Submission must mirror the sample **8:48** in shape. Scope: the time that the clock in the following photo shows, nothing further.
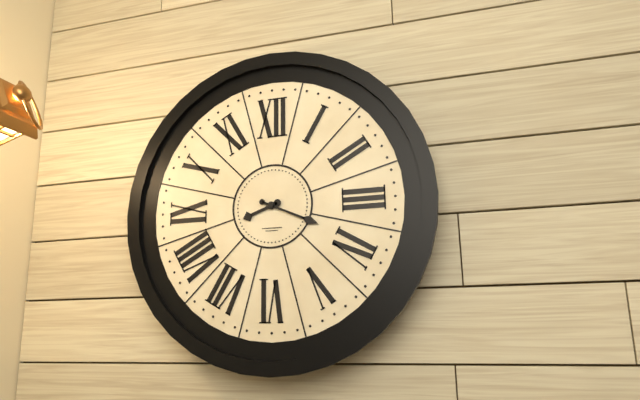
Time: **8:19**
